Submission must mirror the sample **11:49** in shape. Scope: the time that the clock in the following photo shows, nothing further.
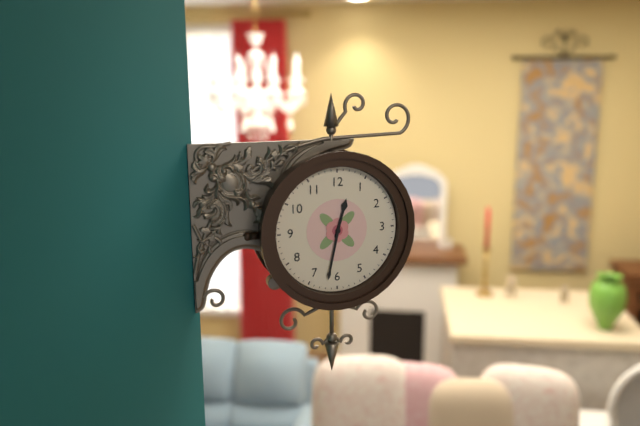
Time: **12:32**
